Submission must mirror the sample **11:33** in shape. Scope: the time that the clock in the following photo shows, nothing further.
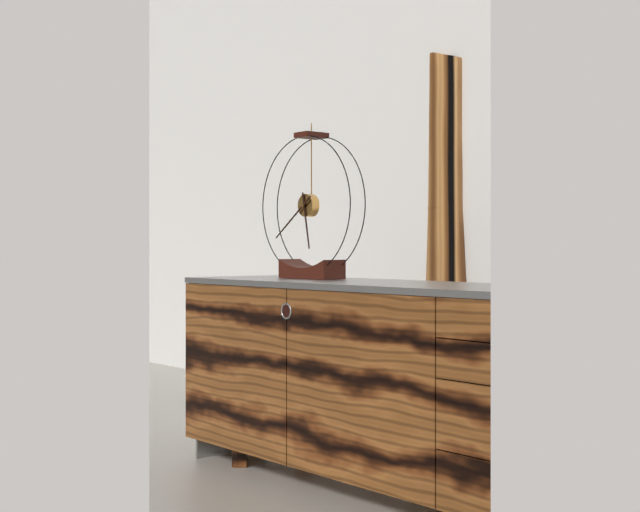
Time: **5:39**
